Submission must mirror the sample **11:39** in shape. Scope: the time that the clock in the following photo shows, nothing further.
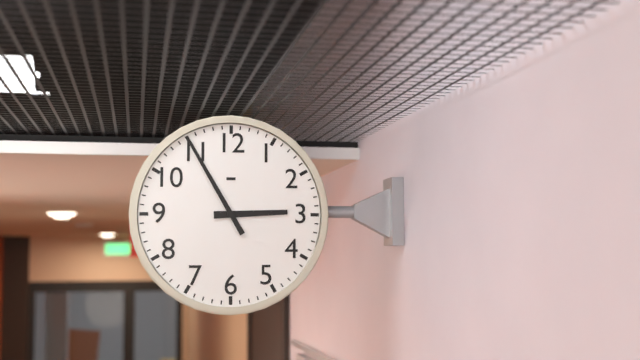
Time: **2:55**
